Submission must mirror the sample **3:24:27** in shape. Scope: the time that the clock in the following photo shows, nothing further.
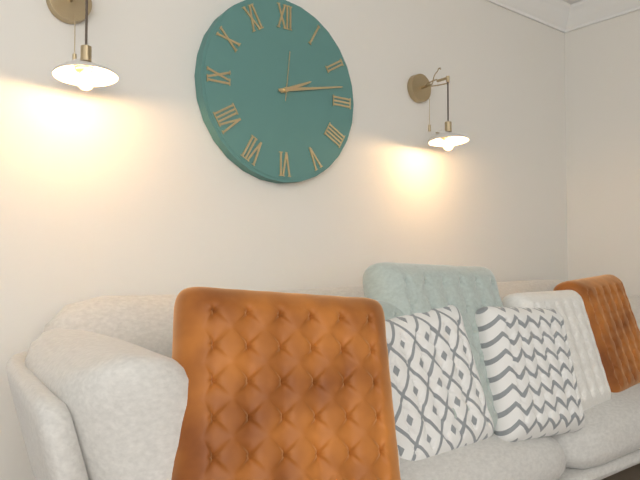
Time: **2:13:01**
